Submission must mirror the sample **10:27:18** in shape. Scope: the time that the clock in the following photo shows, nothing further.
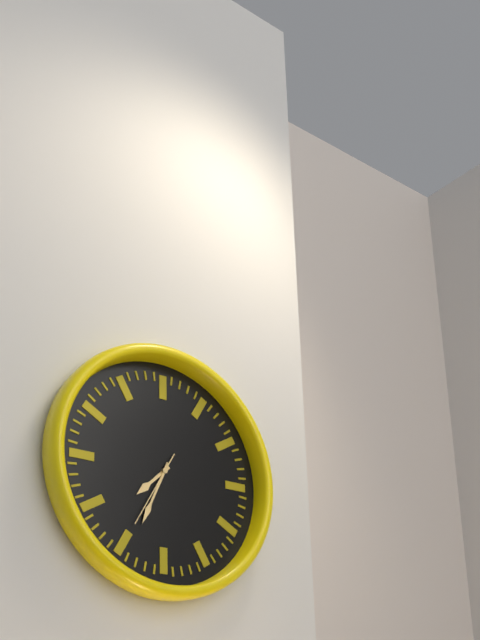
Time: **7:34:35**
